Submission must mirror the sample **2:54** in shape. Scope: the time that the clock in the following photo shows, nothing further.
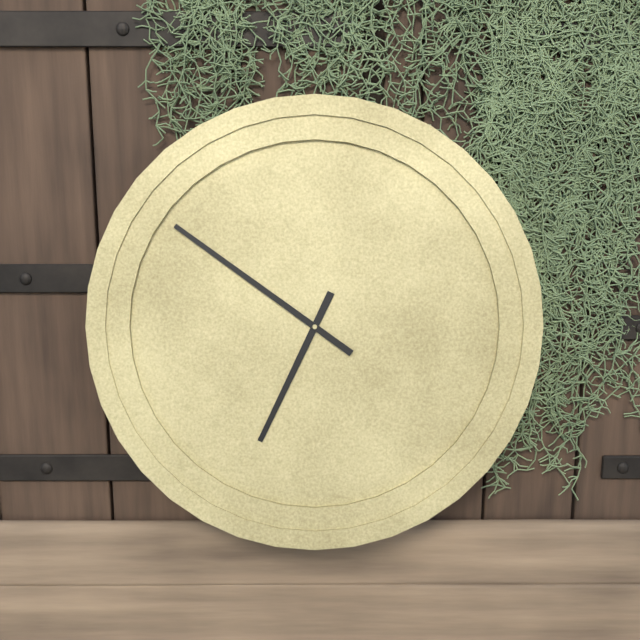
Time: **6:51**
